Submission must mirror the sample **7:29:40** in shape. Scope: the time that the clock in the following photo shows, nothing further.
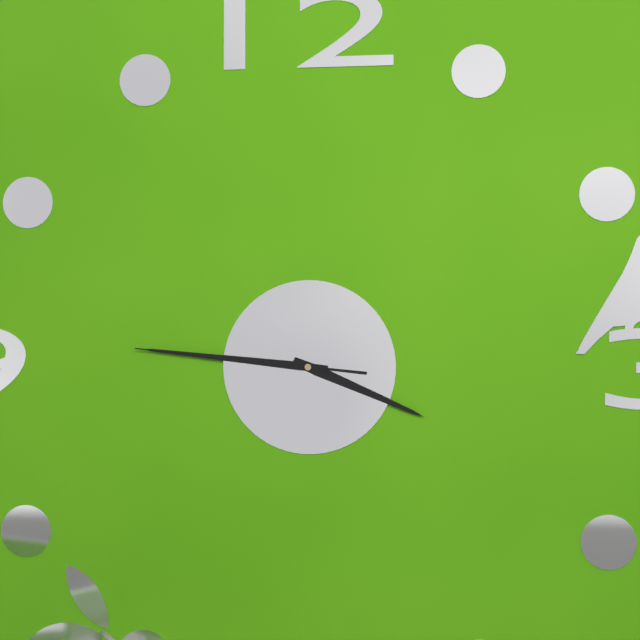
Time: **3:46:46**
